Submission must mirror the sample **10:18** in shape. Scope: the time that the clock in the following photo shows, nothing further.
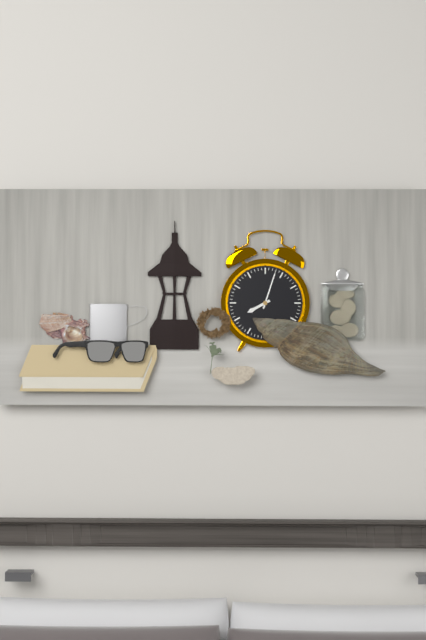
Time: **8:03**
